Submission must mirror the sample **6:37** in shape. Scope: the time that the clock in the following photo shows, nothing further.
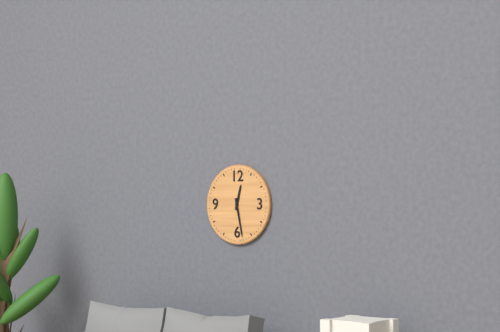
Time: **12:28**
